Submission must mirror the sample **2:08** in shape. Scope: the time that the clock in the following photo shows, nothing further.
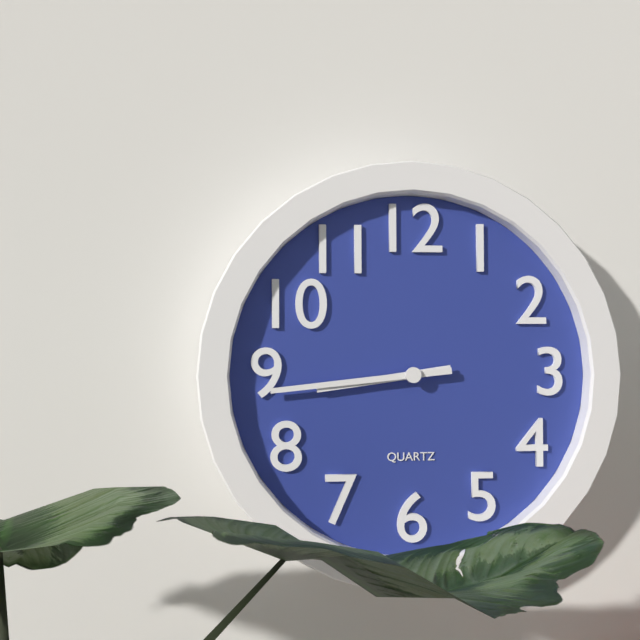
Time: **8:44**
